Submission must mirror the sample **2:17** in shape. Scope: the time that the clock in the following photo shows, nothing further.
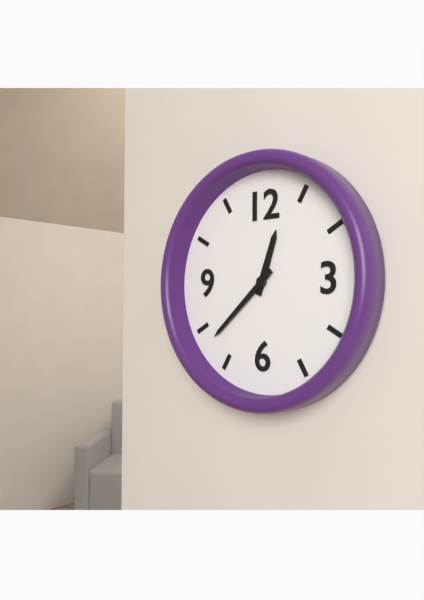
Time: **12:38**
